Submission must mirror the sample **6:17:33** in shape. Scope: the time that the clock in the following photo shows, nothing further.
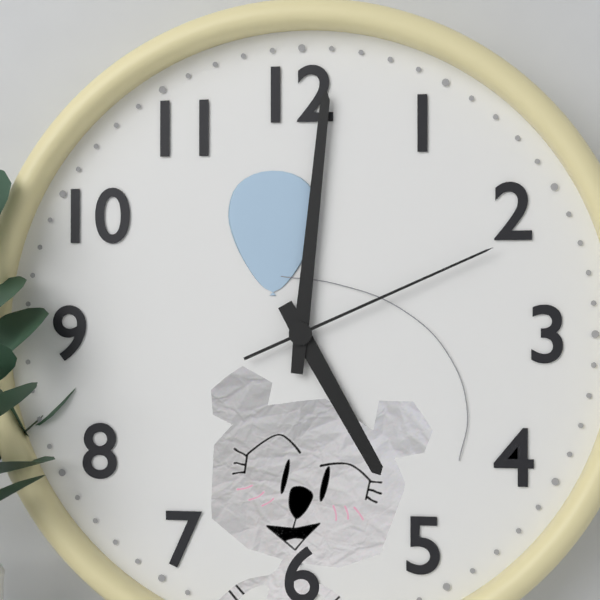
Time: **5:01:11**
